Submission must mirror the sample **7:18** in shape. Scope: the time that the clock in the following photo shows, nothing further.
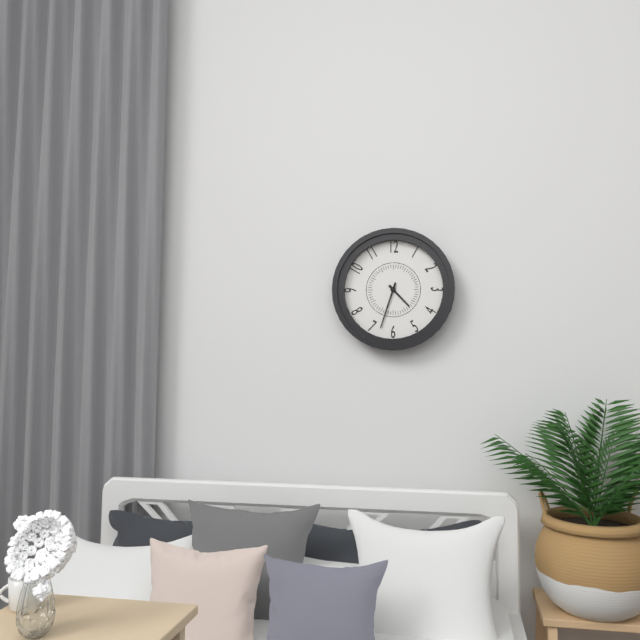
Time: **4:33**
